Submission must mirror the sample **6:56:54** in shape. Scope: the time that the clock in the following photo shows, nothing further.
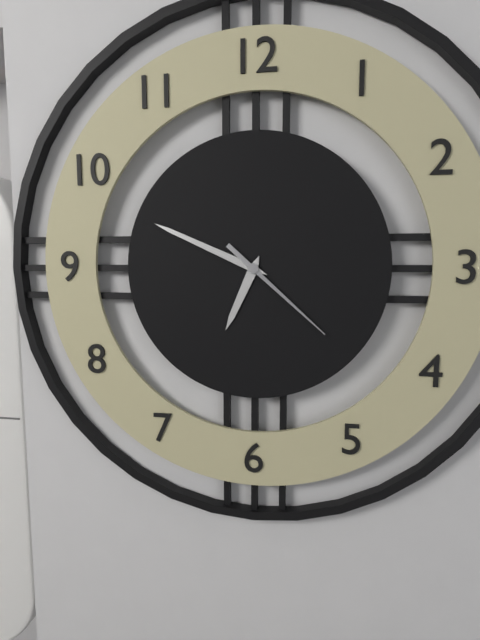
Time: **6:49:22**
